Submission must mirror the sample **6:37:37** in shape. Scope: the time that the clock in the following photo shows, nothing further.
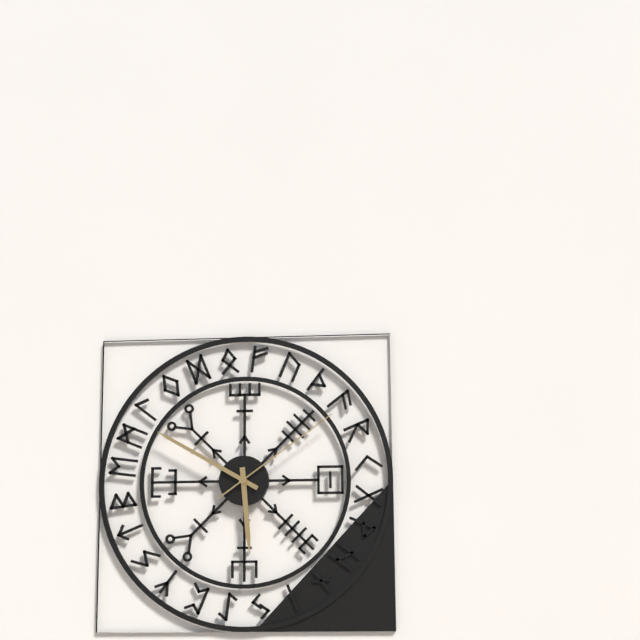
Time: **5:50:09**
